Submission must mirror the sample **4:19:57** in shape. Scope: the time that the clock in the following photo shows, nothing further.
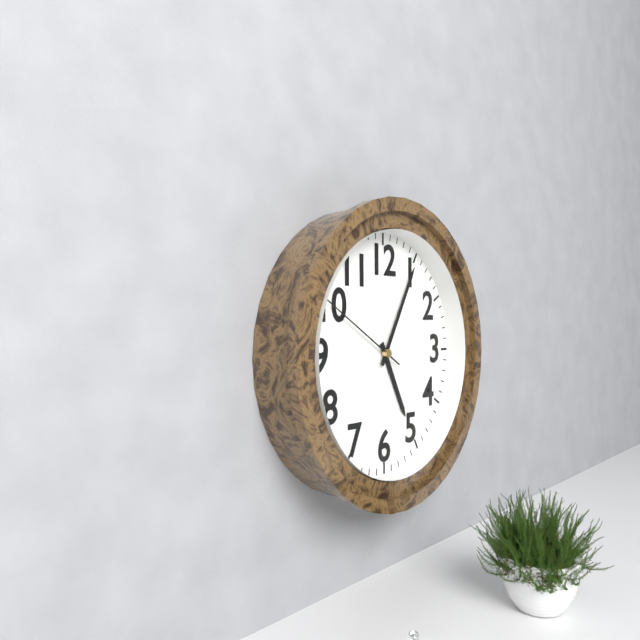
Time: **5:05:50**
